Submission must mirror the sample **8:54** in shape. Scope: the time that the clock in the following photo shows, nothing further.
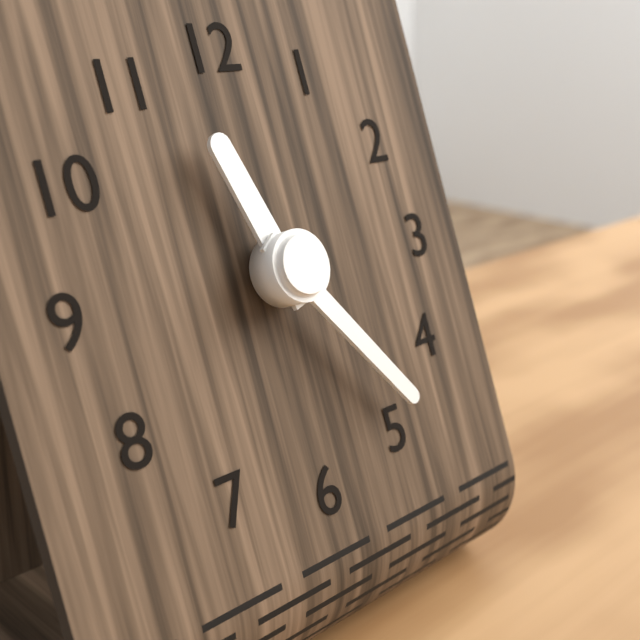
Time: **11:24**
